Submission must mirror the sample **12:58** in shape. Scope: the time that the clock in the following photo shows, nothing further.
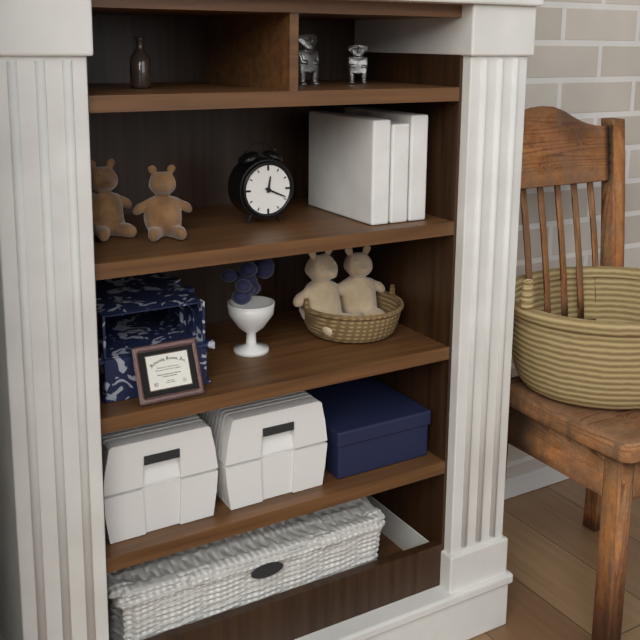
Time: **12:19**
